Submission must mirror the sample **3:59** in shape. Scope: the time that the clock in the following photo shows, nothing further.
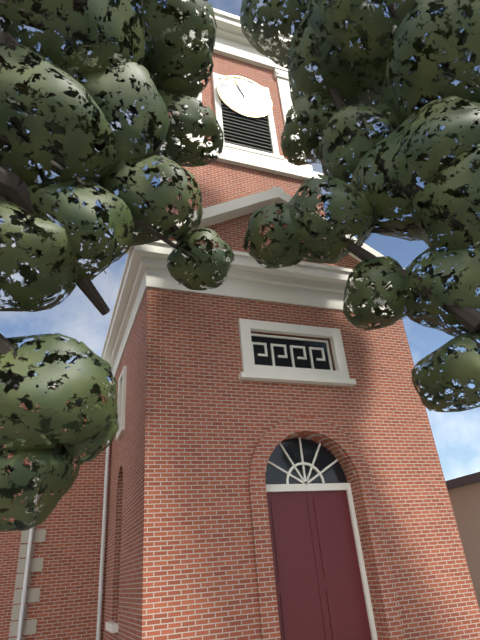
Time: **5:56**
